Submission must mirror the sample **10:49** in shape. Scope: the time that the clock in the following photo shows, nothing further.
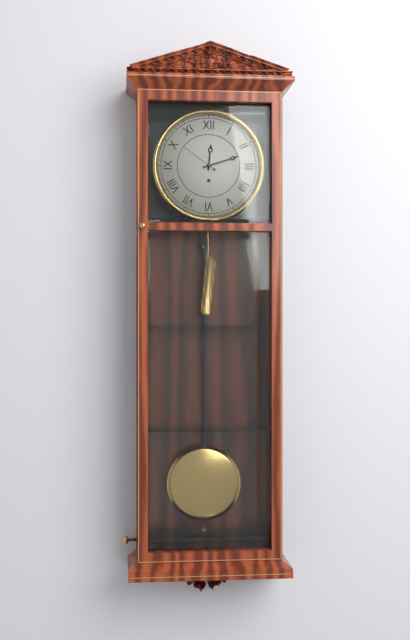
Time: **12:12**
